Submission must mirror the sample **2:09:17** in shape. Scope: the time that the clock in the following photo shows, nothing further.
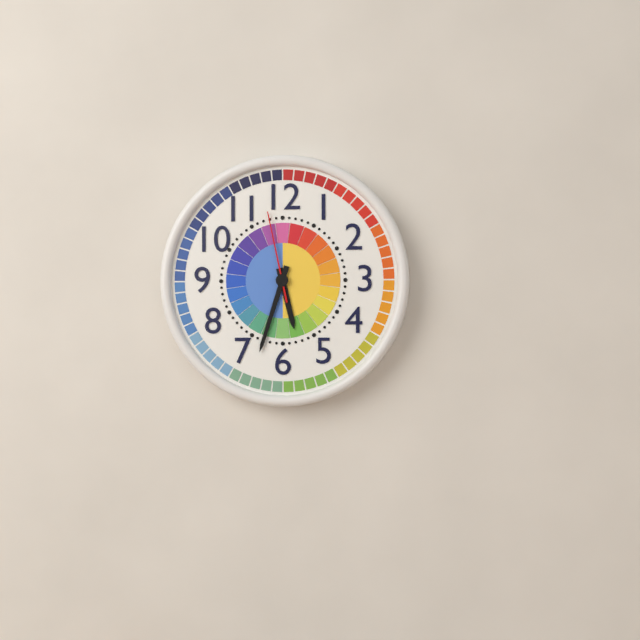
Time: **5:33:58**
